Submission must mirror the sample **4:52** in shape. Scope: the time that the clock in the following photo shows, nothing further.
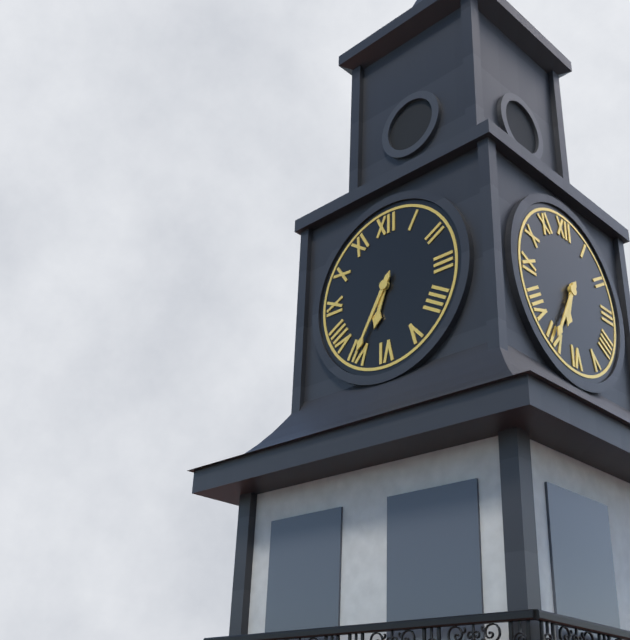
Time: **6:35**
